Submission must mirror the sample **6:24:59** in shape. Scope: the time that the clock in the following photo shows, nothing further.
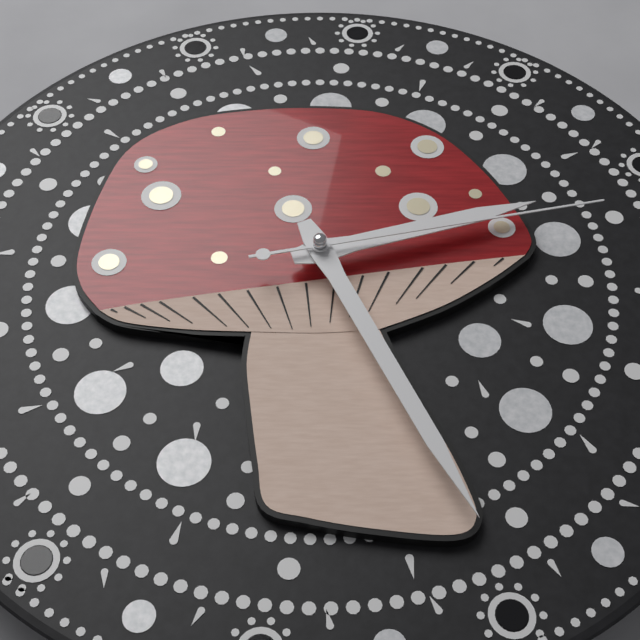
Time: **2:26:13**
